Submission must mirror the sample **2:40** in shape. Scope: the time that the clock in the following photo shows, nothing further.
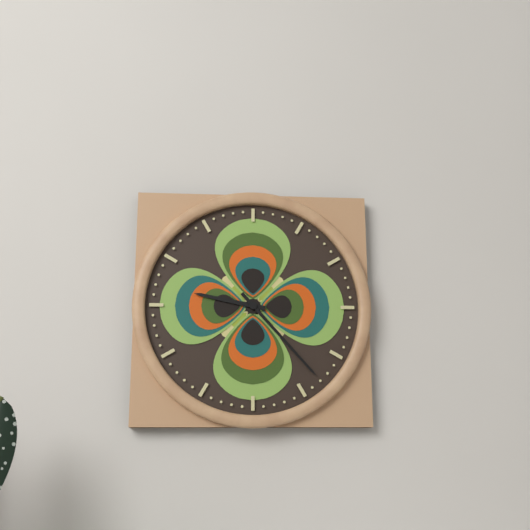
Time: **9:23**
